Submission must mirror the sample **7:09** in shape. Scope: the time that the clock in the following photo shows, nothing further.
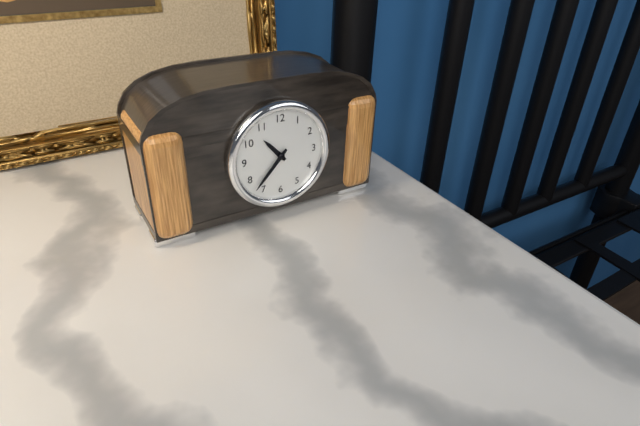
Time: **10:37**
